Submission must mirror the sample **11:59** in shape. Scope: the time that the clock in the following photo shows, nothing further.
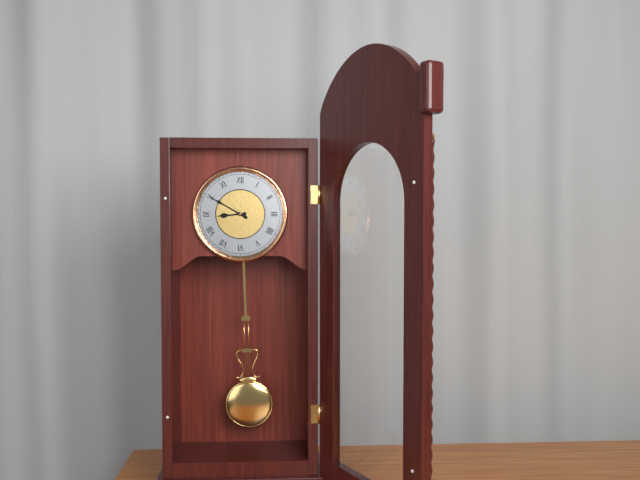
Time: **8:50**
